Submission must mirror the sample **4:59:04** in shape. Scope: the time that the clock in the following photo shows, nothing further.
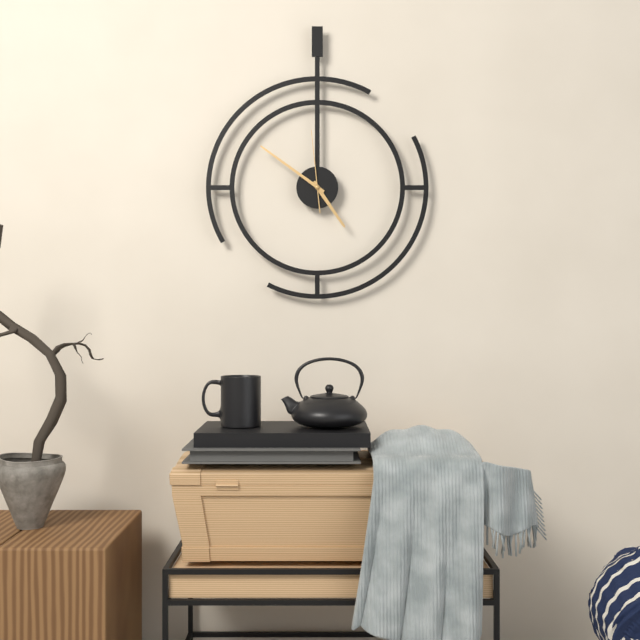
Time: **4:51:59**
